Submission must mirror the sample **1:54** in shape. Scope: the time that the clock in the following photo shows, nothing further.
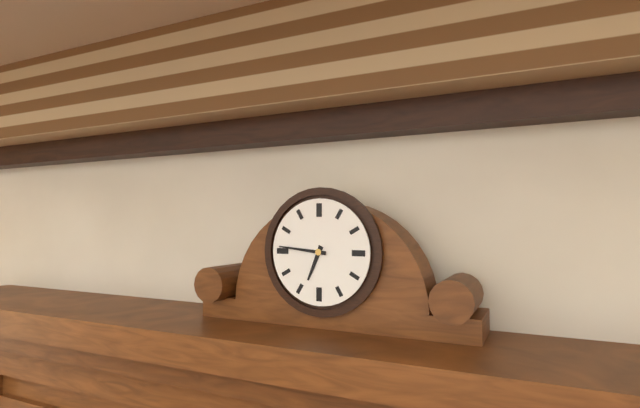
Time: **6:46**
